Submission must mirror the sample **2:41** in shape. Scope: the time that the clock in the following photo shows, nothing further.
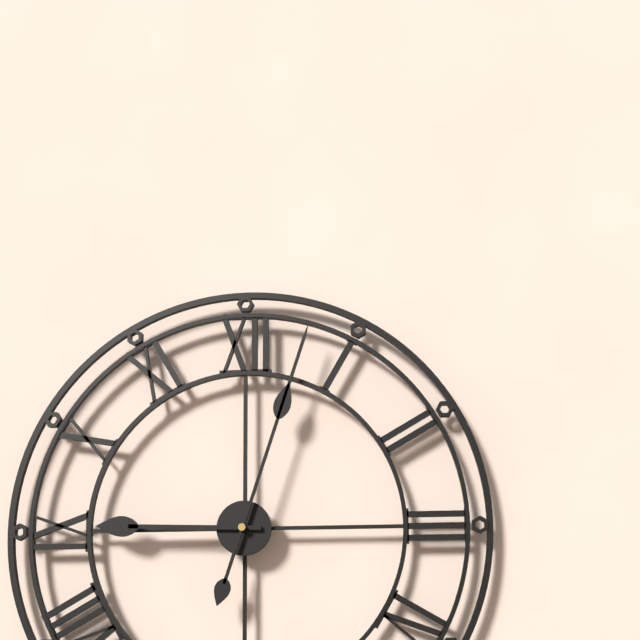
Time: **9:03**
